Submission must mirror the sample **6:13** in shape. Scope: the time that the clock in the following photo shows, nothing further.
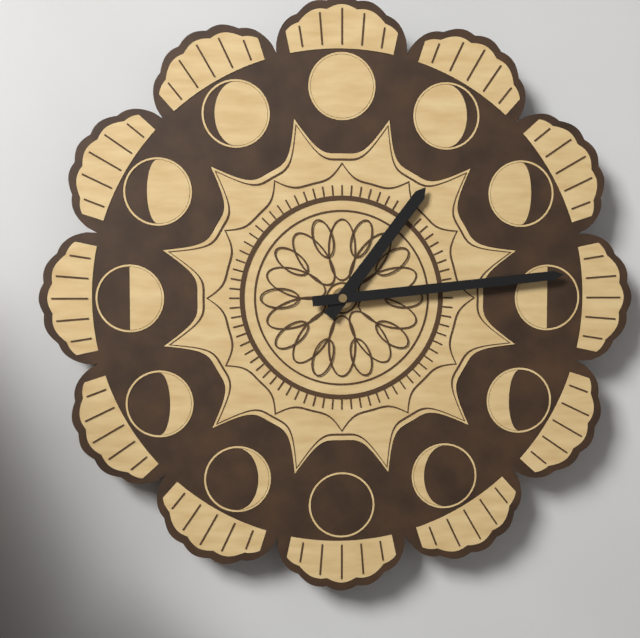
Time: **1:14**
